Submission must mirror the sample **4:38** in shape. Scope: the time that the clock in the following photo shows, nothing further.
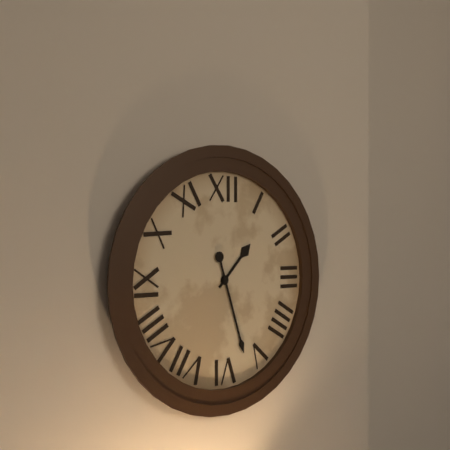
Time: **1:27**
